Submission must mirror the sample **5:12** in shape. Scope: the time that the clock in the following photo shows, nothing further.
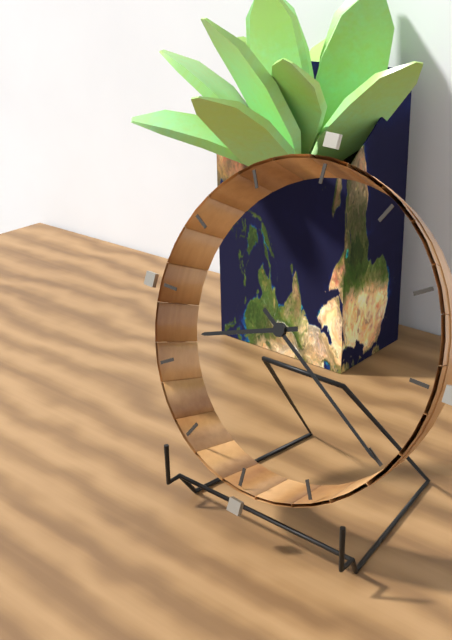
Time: **8:20**
